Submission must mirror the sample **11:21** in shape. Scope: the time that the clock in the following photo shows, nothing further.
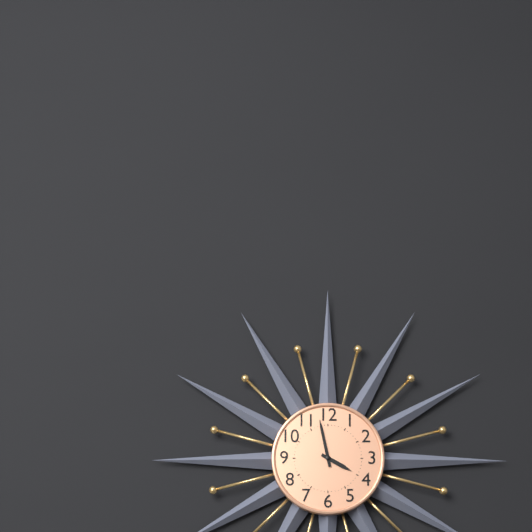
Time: **3:58**
